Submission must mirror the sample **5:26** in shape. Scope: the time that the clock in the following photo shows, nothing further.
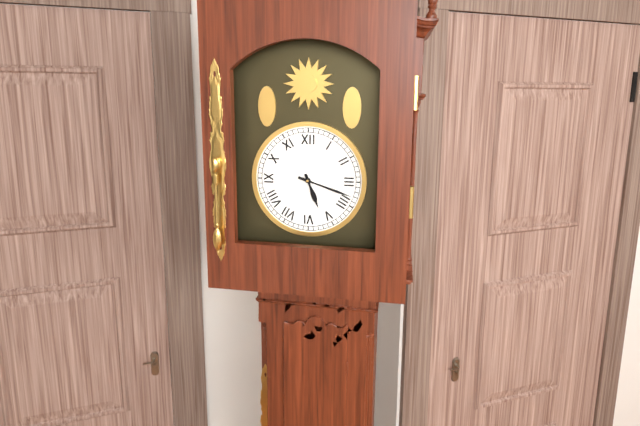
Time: **5:18**
